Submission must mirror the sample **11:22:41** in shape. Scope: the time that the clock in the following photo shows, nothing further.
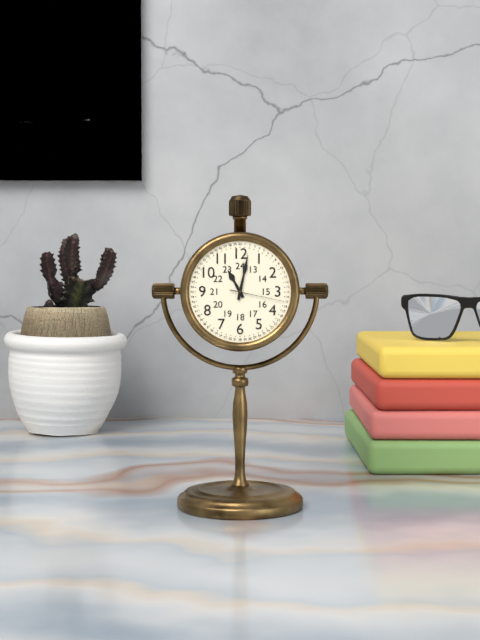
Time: **11:02:17**
